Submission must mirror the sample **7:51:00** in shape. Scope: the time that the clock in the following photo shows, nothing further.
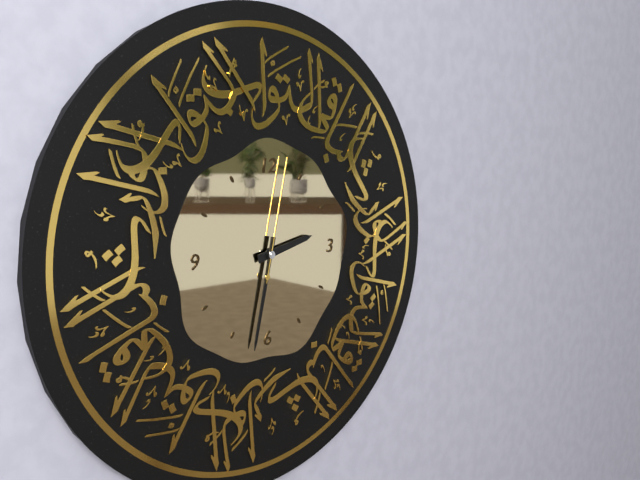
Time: **2:32:02**
